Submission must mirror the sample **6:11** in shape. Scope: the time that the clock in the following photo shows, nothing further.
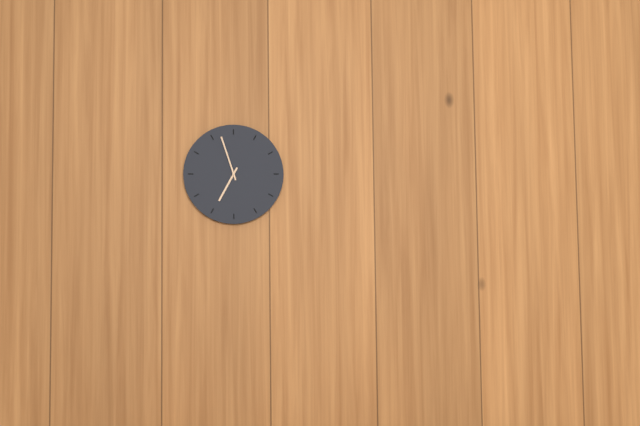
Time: **6:57**
